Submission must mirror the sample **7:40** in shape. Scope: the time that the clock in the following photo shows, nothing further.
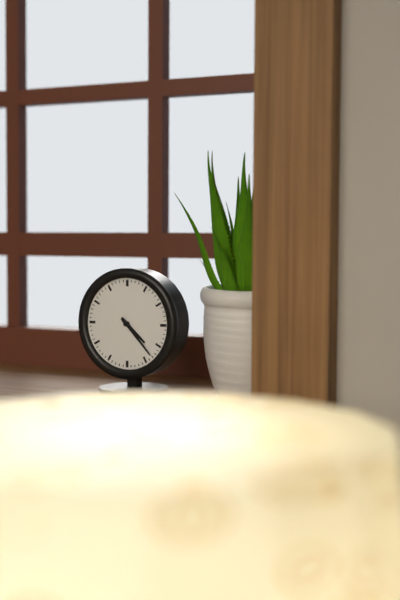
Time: **4:23**
